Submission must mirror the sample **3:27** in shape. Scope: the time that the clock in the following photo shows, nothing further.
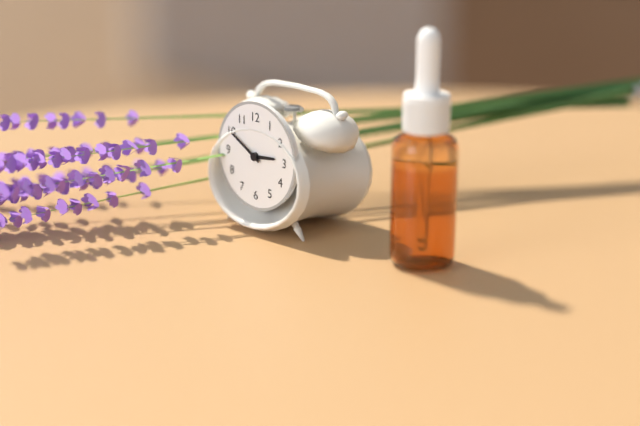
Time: **2:50**
